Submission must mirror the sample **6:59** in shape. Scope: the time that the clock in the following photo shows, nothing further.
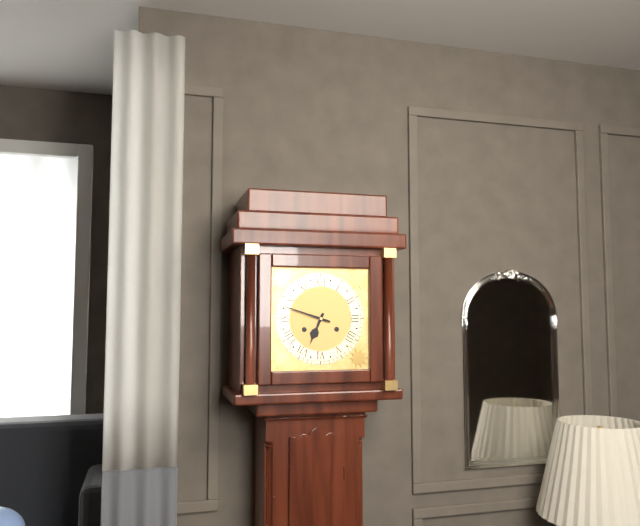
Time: **6:48**
